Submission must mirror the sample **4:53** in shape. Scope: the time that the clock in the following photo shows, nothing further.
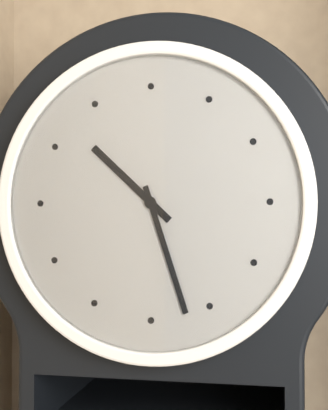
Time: **10:27**
